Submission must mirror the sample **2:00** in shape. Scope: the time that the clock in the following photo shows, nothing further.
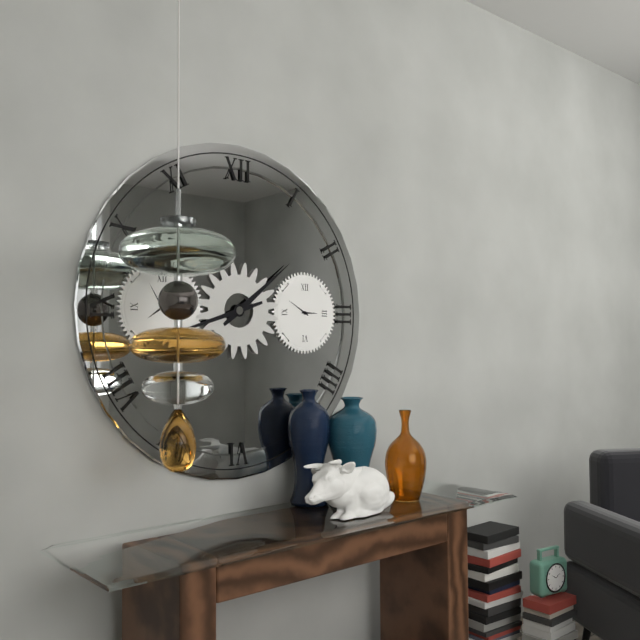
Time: **1:42**
